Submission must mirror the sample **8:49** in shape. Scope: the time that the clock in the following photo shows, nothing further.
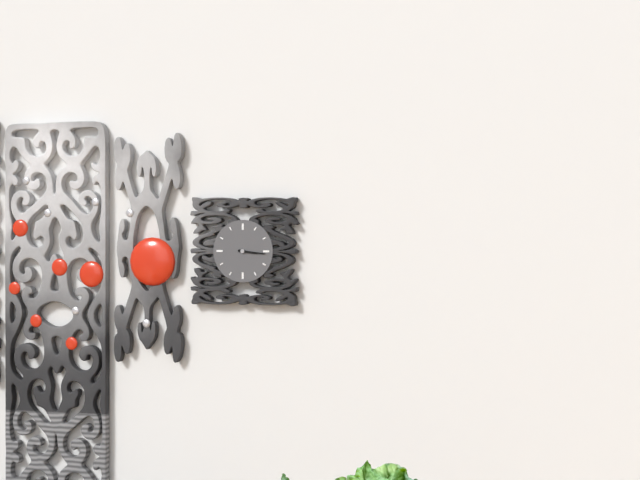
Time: **3:16**
